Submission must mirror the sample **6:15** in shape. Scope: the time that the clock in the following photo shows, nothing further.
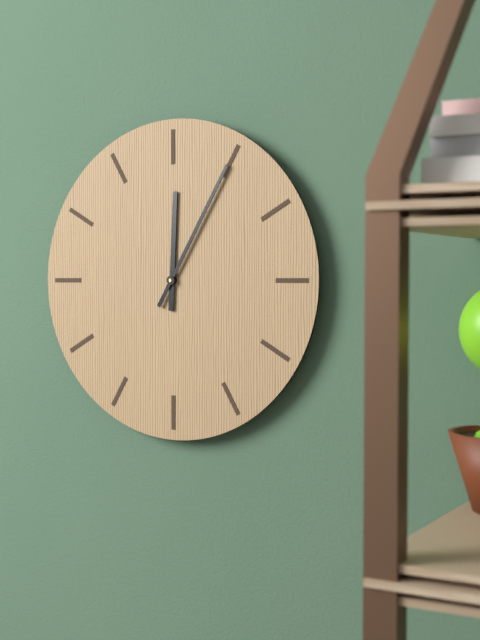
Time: **12:05**
